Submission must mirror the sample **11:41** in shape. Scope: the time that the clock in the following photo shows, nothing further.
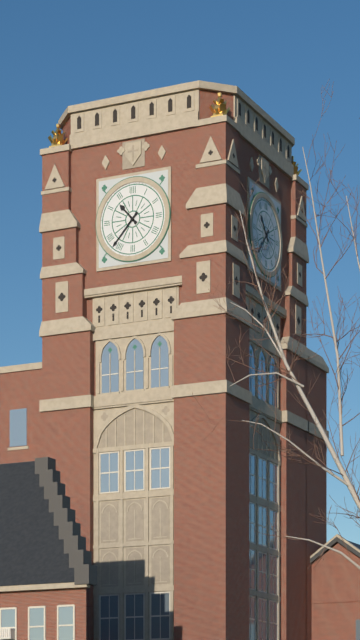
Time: **10:37**
